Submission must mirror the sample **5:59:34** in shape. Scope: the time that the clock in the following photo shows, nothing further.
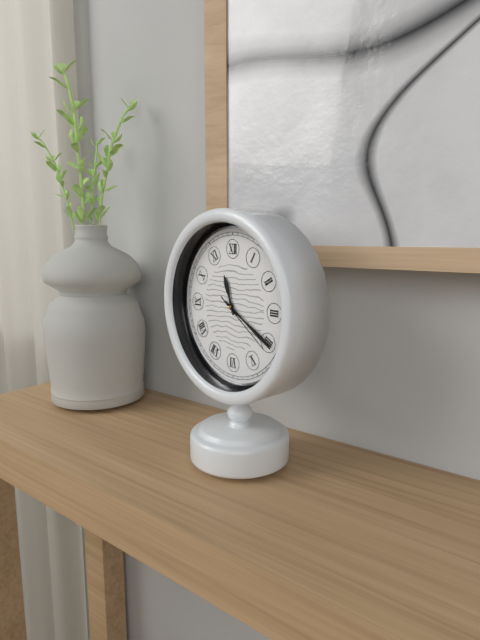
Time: **11:20:21**
